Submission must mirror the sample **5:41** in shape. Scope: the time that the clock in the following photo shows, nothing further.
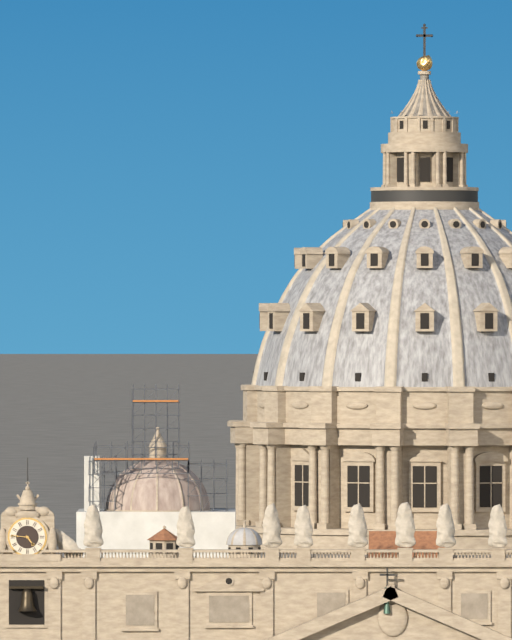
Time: **4:46**
